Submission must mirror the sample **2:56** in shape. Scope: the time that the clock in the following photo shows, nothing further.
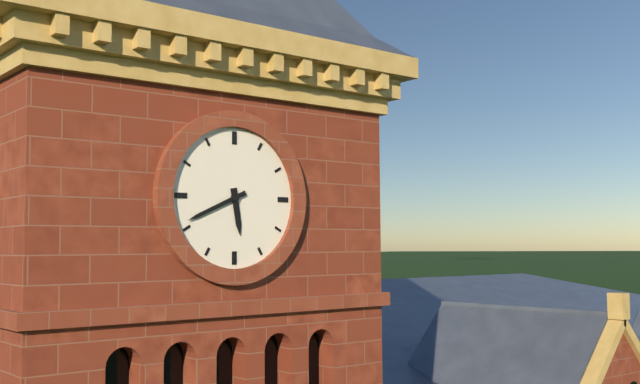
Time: **5:41**
